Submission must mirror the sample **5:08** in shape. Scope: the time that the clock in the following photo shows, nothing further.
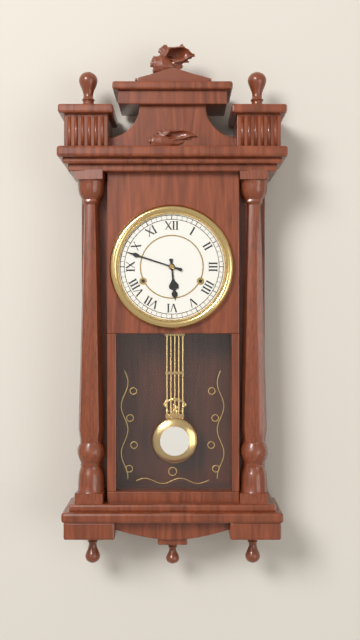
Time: **5:48**
